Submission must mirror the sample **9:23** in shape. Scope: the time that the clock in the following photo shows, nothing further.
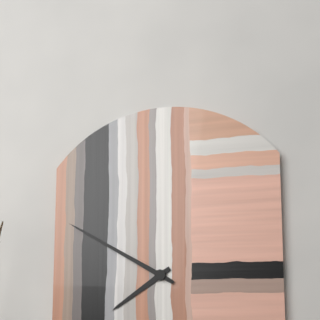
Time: **7:50**
